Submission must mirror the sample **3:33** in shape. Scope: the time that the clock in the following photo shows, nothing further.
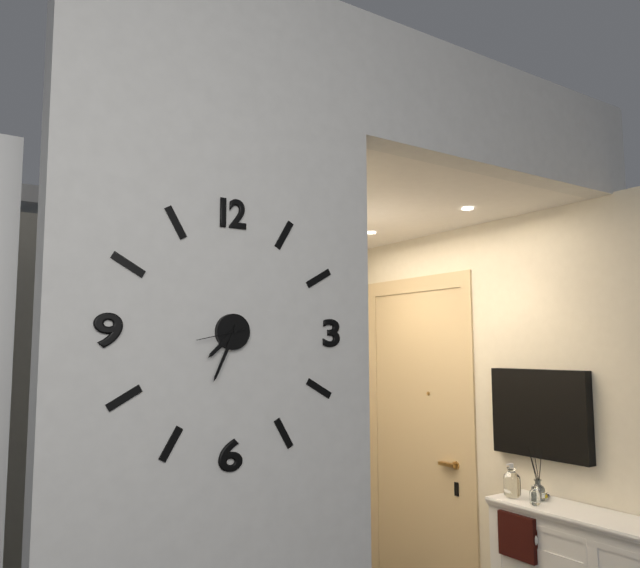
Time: **7:34**
